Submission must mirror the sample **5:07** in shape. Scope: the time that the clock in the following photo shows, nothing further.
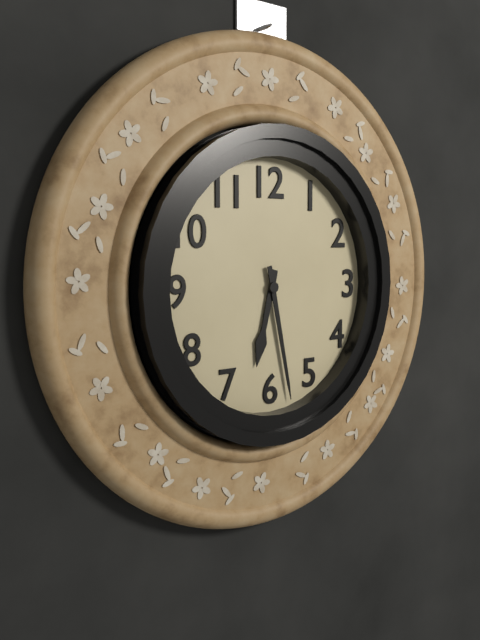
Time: **6:28**
